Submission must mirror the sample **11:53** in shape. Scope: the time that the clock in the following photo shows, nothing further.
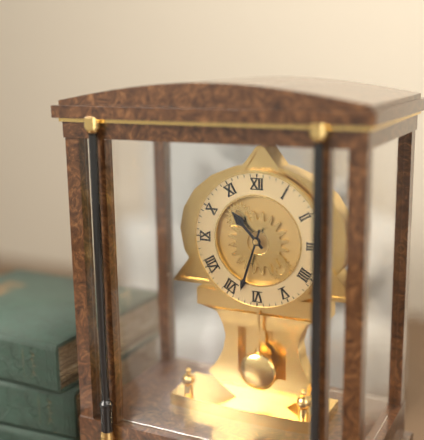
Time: **10:33**
